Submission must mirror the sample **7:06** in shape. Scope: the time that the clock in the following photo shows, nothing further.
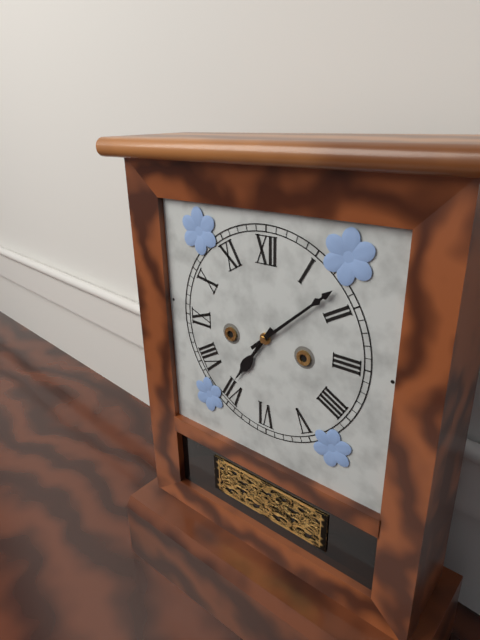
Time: **7:08**
